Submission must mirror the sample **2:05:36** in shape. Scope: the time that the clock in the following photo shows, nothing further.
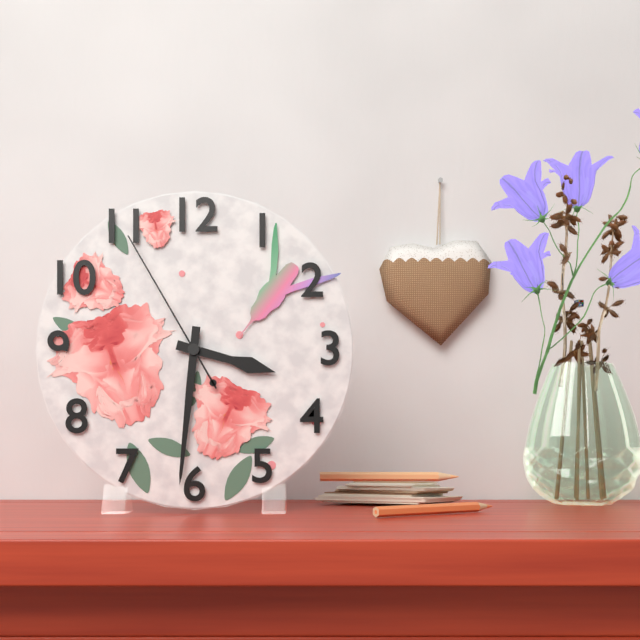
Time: **3:31:55**
